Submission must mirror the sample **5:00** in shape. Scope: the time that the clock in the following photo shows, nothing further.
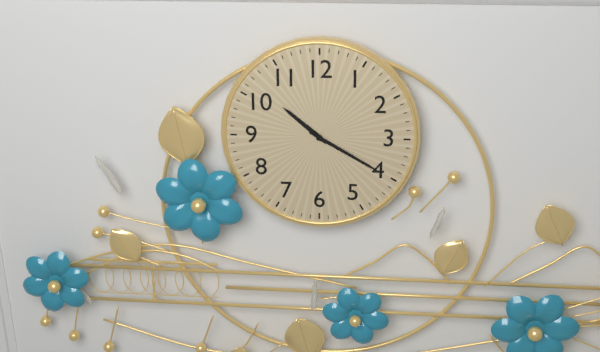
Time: **10:20**
